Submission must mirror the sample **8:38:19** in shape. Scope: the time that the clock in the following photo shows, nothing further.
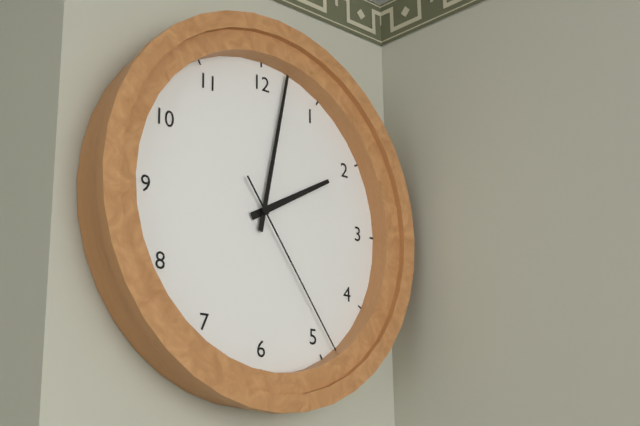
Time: **2:02:24**
